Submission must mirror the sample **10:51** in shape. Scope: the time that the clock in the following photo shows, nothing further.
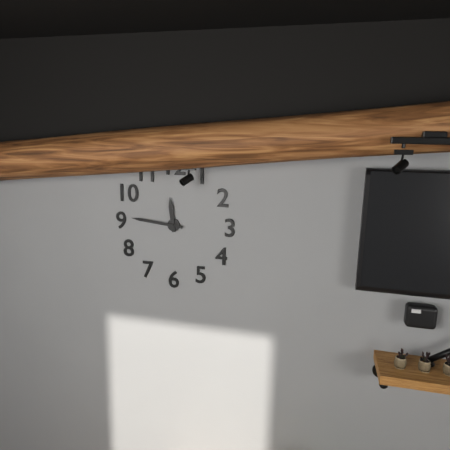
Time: **11:46**
